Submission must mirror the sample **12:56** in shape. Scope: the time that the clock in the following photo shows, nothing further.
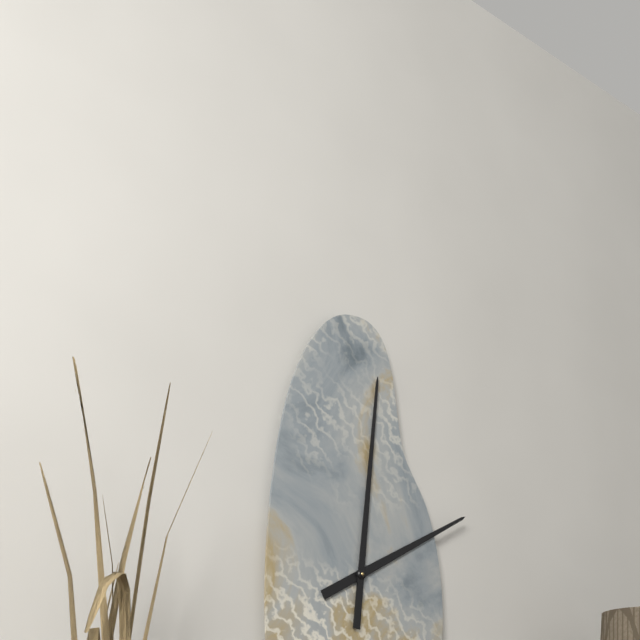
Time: **2:01**
